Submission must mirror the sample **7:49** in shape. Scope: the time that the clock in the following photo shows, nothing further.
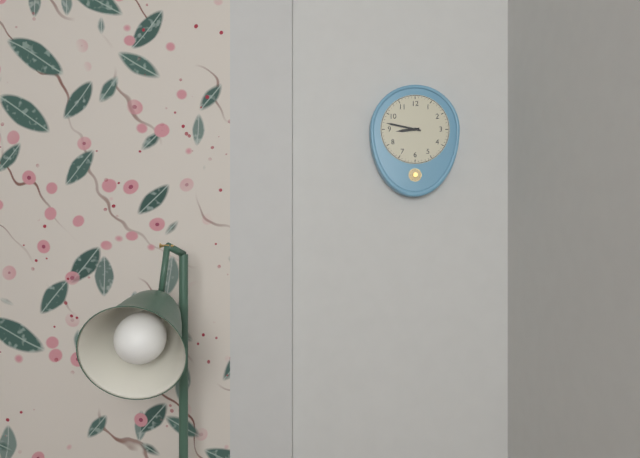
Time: **8:47**
